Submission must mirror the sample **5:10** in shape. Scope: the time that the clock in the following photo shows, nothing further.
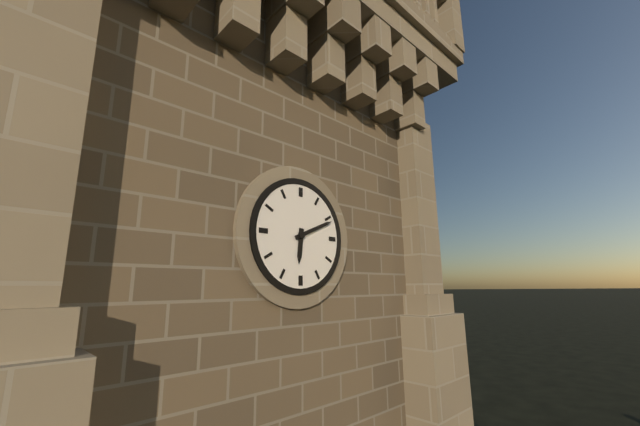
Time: **6:11**
